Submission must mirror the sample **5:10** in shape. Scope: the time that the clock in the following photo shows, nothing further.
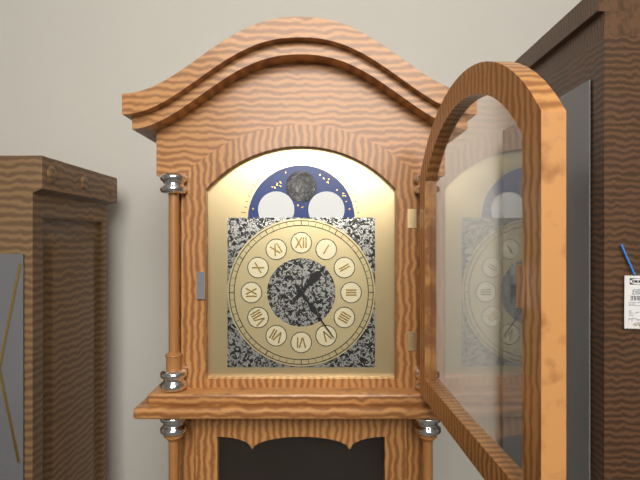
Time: **1:24**
